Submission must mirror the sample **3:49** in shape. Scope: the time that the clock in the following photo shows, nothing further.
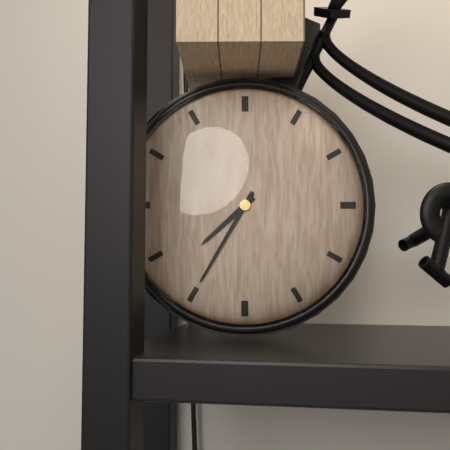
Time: **7:35**
